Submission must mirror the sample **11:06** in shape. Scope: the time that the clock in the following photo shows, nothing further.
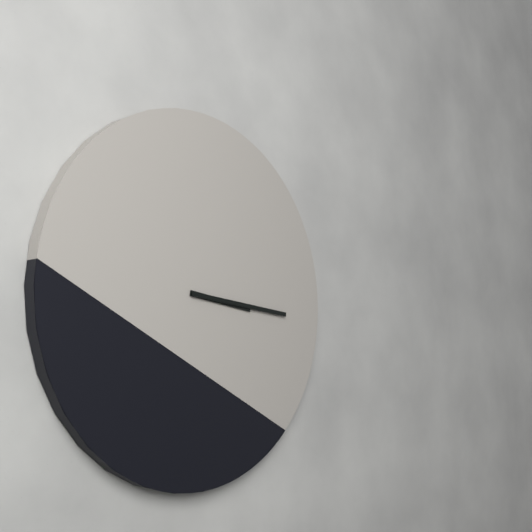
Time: **3:16**
